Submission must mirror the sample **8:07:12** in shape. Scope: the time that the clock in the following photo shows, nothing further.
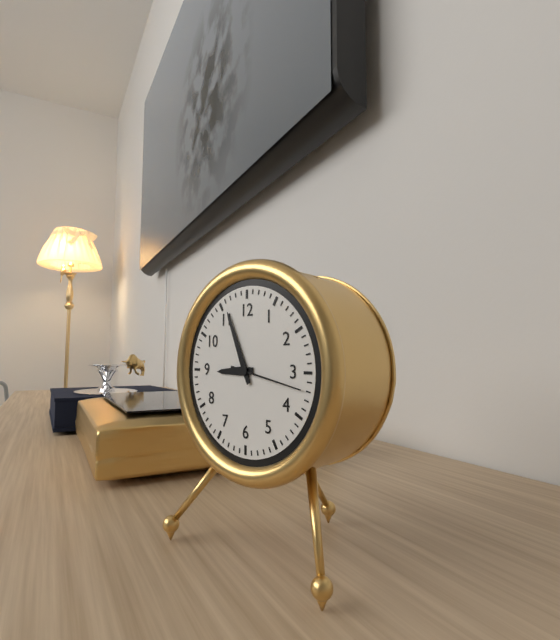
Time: **8:56:17**
